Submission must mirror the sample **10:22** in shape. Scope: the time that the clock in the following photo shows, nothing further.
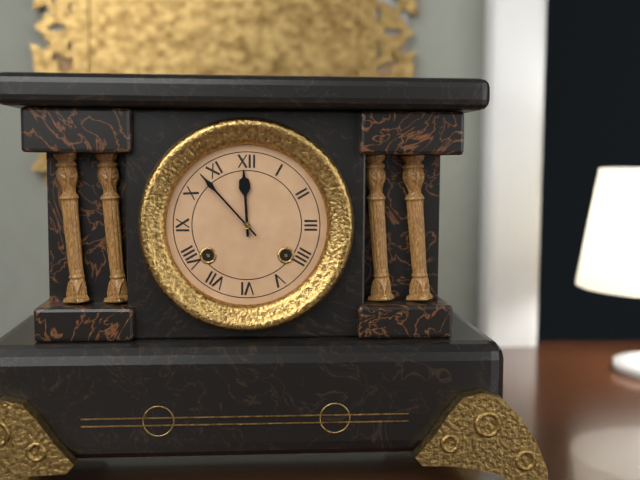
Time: **11:53**
